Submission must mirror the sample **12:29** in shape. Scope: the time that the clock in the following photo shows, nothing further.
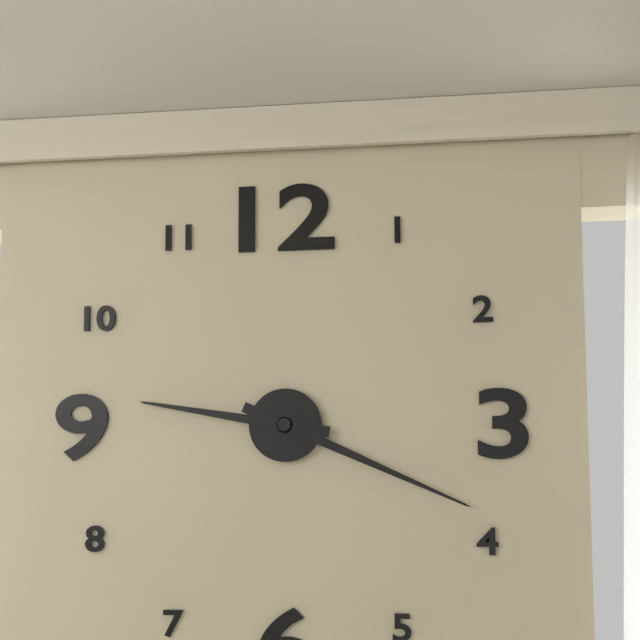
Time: **9:19**
